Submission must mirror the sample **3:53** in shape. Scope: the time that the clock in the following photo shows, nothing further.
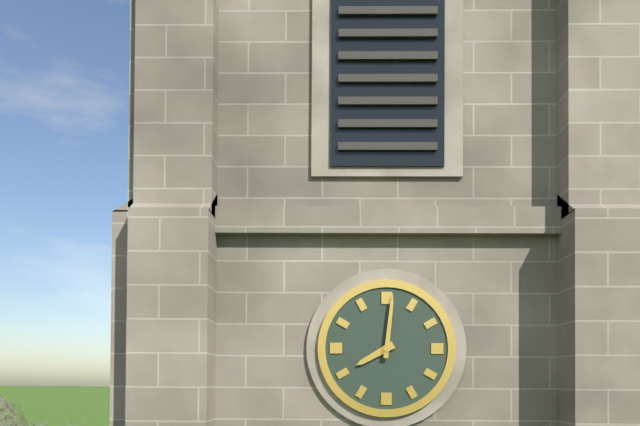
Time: **8:01**
